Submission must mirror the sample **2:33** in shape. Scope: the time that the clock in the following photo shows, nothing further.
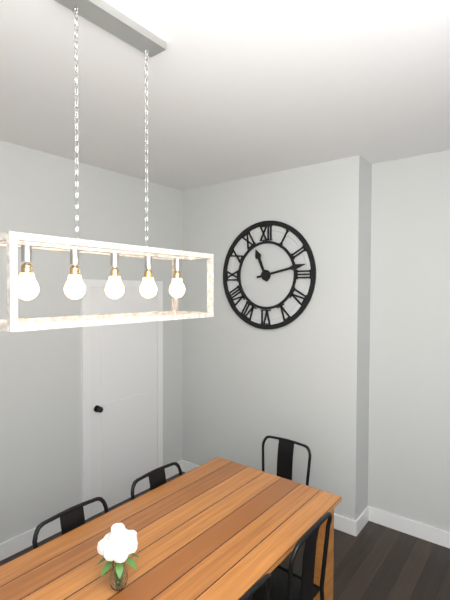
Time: **11:13**
